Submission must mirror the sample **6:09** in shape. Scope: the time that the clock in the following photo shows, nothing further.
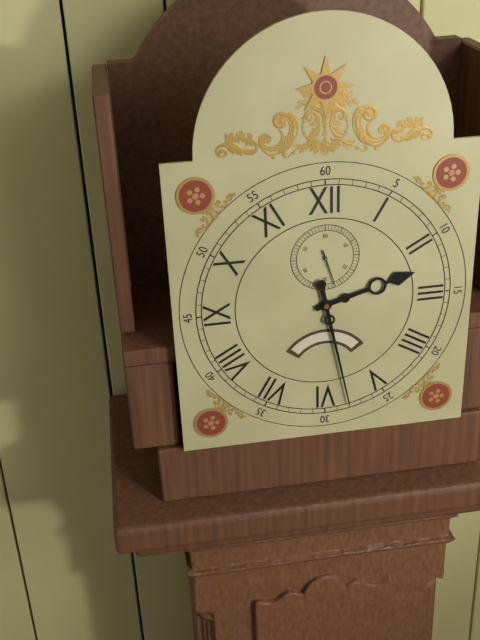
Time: **2:28**
